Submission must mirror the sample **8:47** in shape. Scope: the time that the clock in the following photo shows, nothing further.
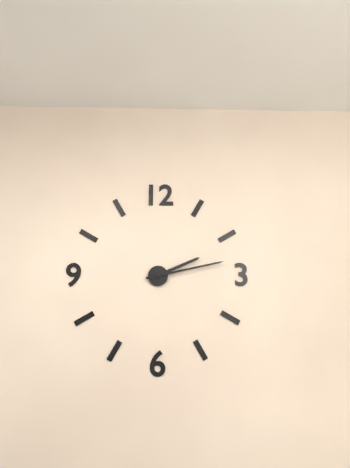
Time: **2:13**
